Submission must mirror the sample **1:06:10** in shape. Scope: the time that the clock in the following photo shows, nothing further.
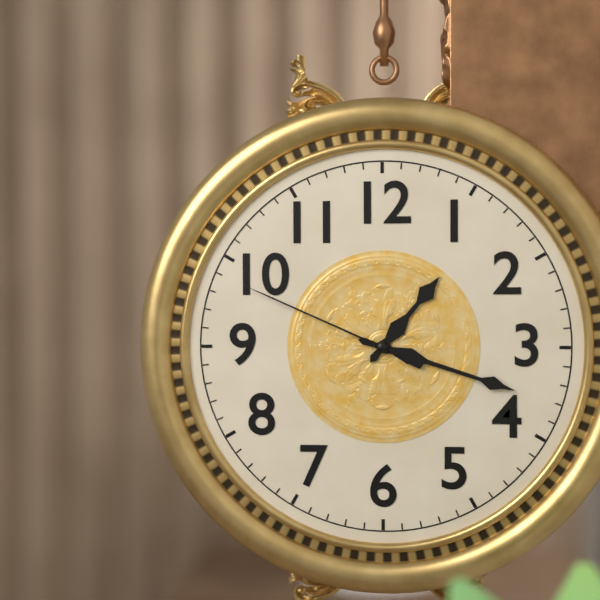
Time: **1:18:49**
